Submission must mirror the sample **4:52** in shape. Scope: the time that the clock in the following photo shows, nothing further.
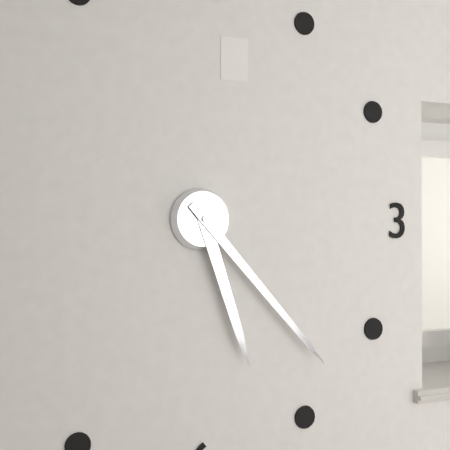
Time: **5:23**
